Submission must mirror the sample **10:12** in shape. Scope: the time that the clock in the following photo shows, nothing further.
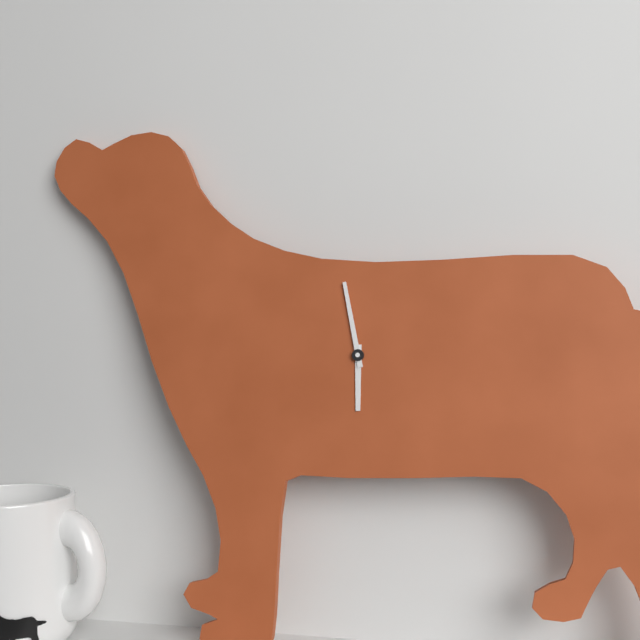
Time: **5:58**
